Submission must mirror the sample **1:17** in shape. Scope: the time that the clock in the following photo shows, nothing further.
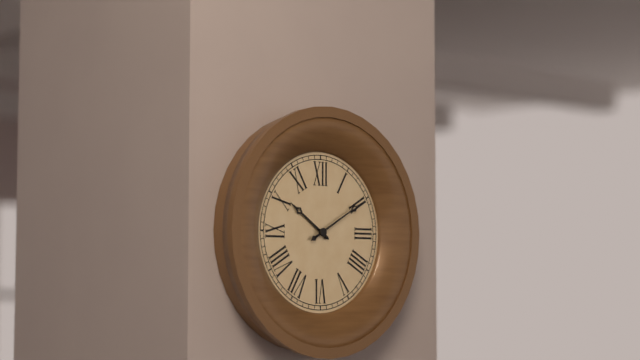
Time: **10:10**
